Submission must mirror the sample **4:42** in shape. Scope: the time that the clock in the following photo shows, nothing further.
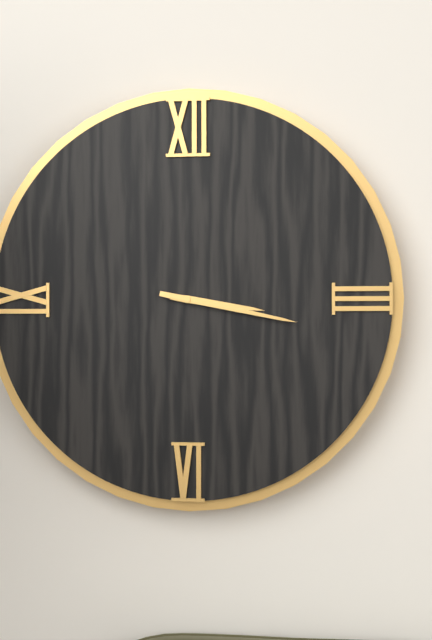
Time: **3:17**
